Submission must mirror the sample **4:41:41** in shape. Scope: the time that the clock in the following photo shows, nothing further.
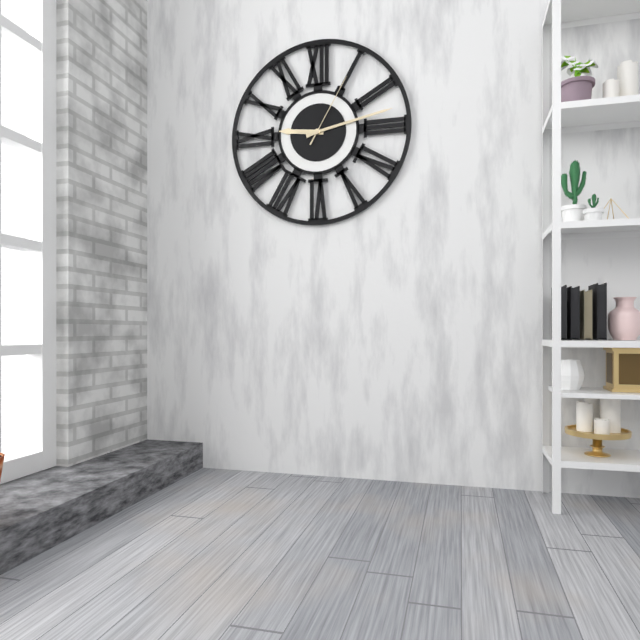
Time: **9:13:05**
